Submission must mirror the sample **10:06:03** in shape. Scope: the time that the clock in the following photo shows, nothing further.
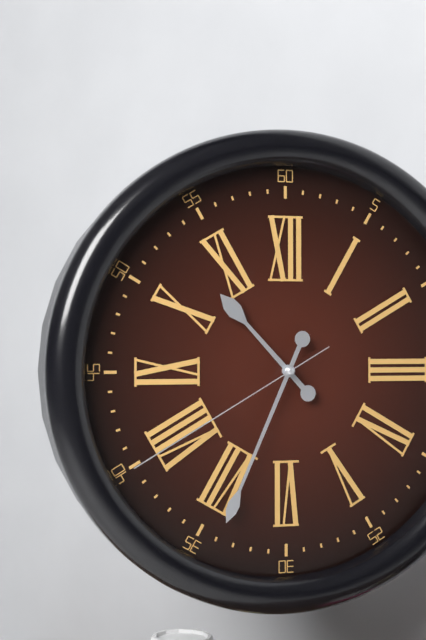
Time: **10:34:40**
